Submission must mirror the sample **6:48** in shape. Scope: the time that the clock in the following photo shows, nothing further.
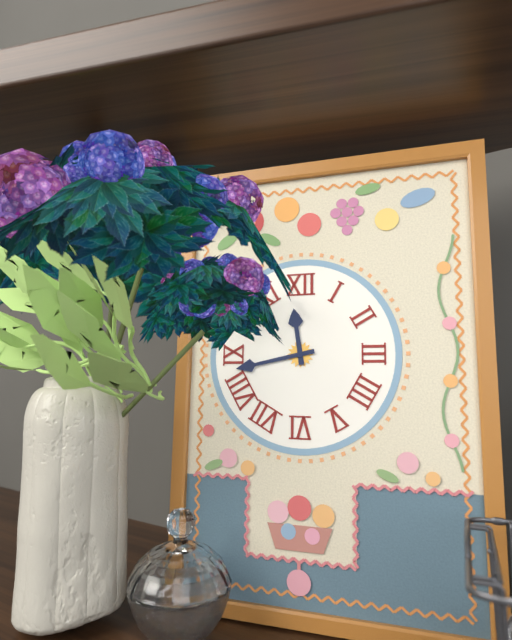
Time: **11:43**
